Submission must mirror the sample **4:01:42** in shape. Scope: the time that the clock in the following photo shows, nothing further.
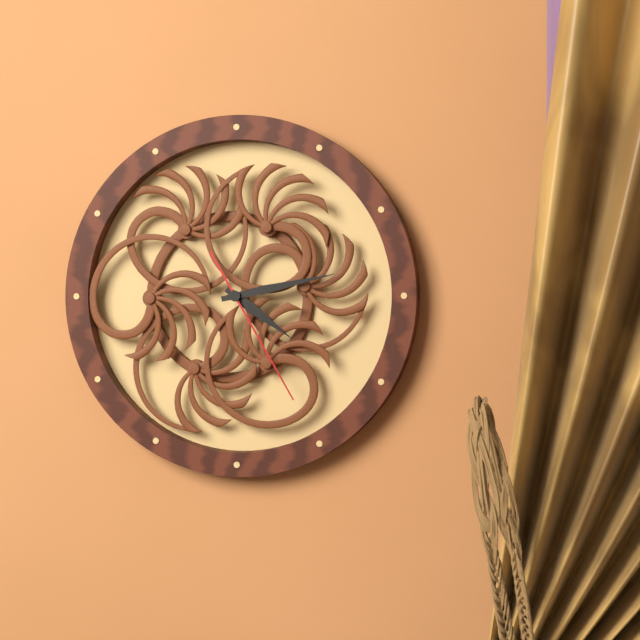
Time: **4:13:25**
